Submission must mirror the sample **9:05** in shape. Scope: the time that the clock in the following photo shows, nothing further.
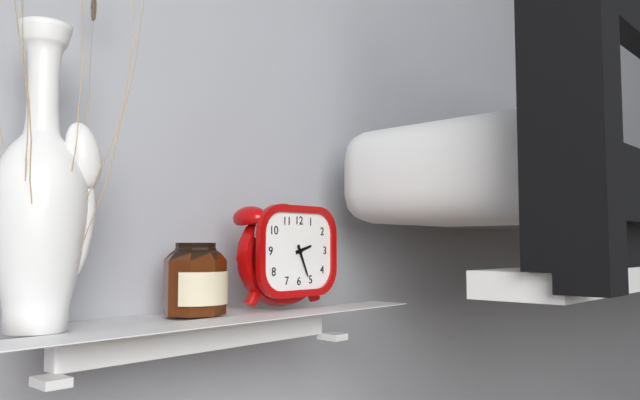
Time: **2:26**
